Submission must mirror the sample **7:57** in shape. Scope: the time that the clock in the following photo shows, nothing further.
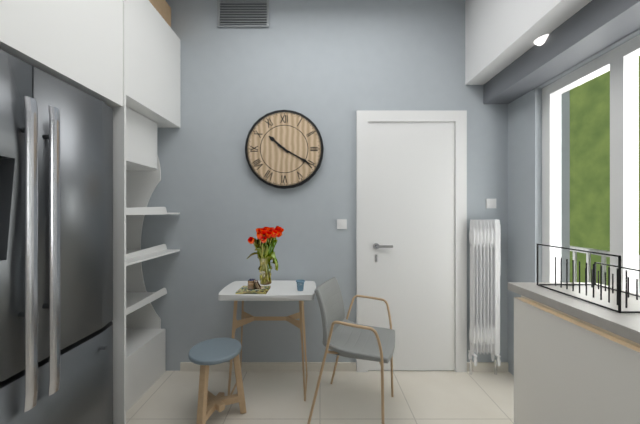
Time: **10:20**
